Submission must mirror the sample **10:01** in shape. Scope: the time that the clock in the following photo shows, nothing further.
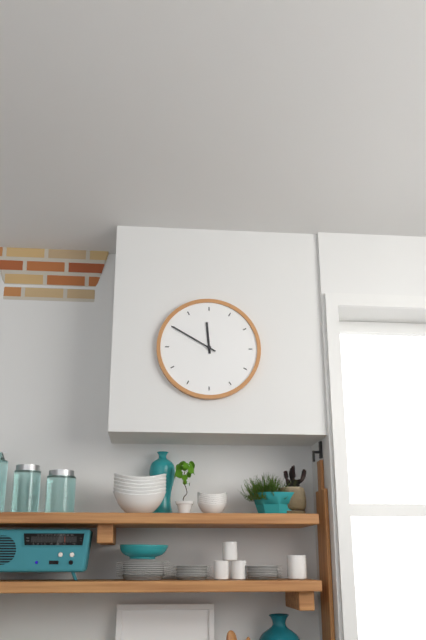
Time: **11:50**
